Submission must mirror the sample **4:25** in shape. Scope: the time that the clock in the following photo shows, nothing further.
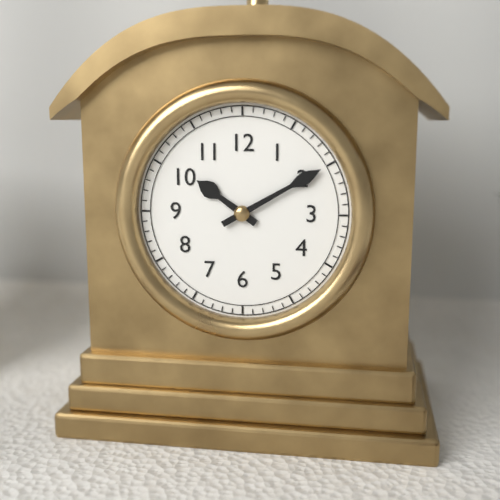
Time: **10:10**
